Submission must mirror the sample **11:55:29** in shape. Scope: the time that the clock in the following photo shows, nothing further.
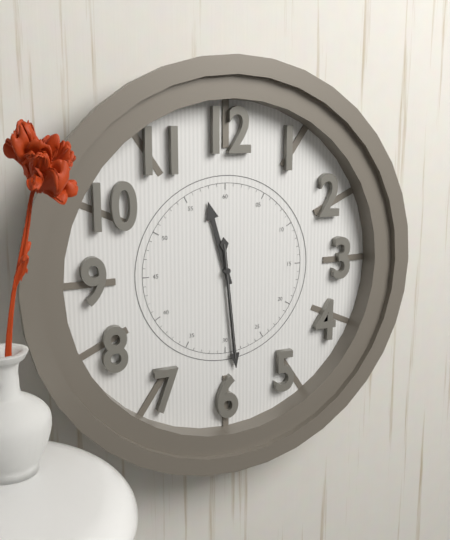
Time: **11:29:29**
